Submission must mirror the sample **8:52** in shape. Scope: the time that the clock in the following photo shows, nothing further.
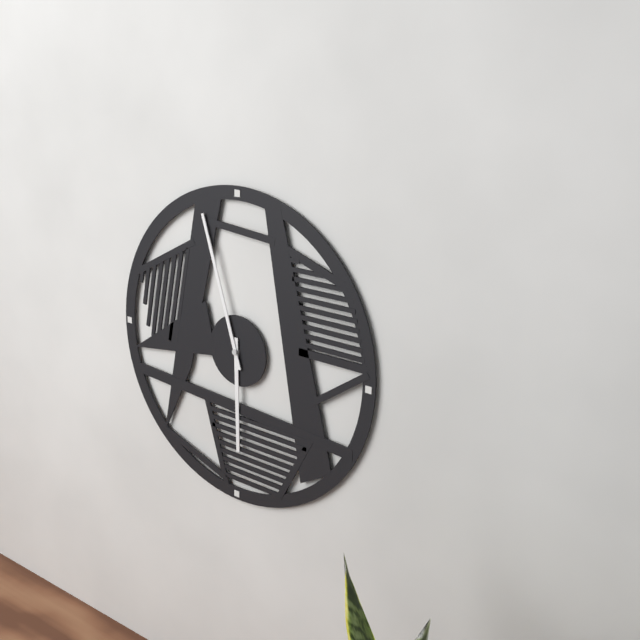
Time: **5:57**
